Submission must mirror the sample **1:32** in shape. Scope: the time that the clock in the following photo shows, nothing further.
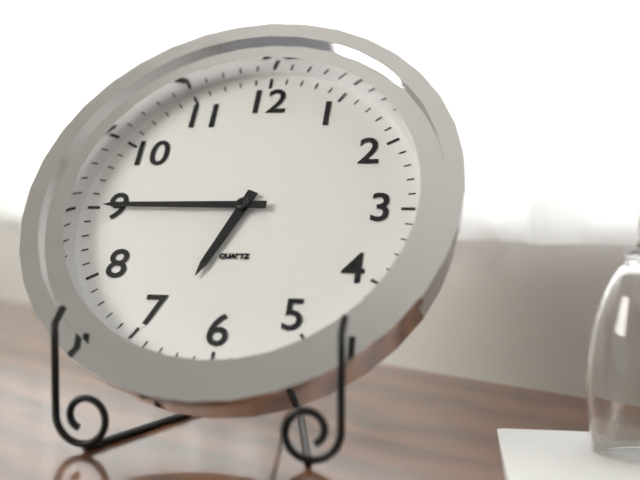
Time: **6:45**
